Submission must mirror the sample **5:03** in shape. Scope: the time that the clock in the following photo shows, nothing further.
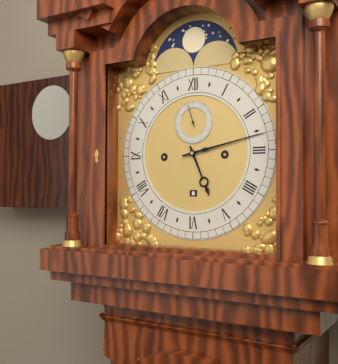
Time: **5:13**
